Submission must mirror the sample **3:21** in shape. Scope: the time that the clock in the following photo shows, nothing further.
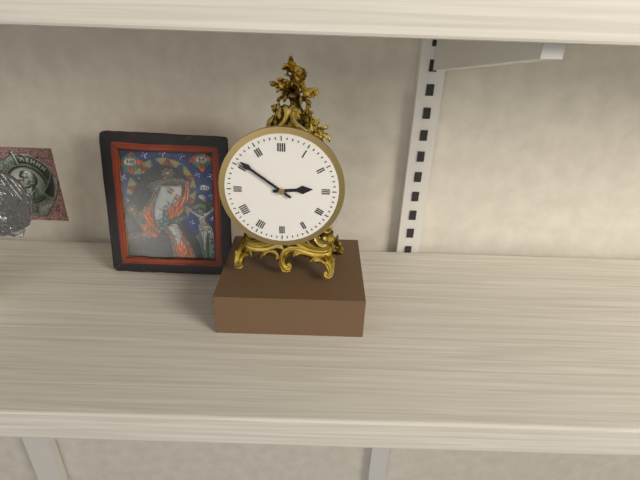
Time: **2:51**
